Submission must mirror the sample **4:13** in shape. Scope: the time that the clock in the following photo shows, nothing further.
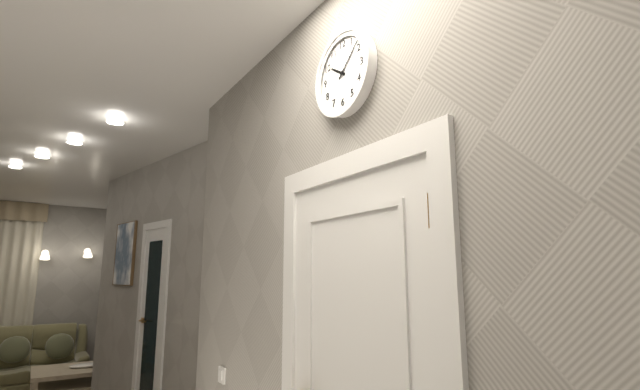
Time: **10:08**
